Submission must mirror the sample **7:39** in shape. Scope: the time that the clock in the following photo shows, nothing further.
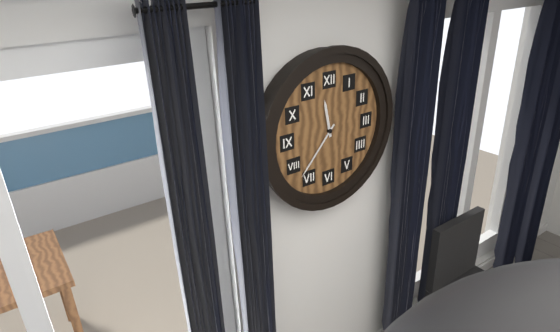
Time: **11:37**
